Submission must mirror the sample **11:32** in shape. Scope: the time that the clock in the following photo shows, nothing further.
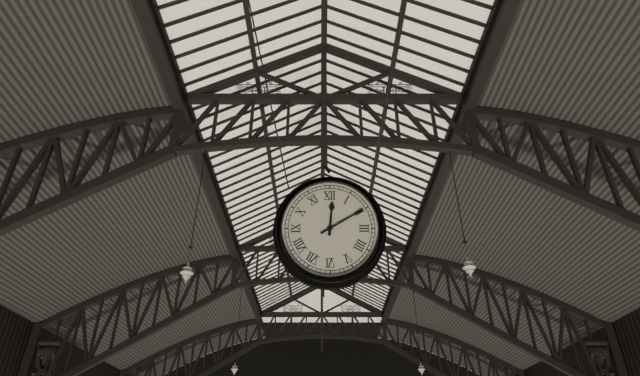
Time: **12:10**
